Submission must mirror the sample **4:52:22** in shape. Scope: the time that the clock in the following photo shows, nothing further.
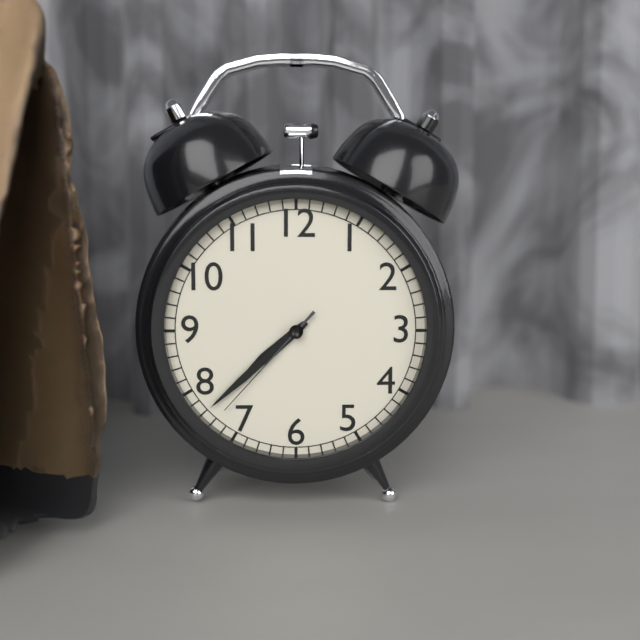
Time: **7:38:37**
